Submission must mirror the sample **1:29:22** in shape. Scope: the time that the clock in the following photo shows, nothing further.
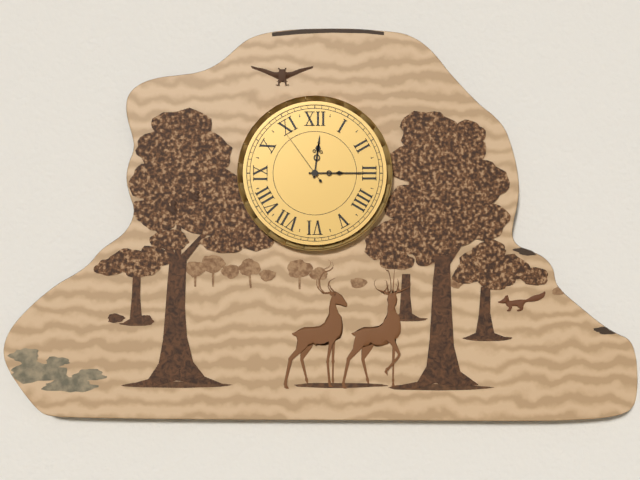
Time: **12:15:54**
